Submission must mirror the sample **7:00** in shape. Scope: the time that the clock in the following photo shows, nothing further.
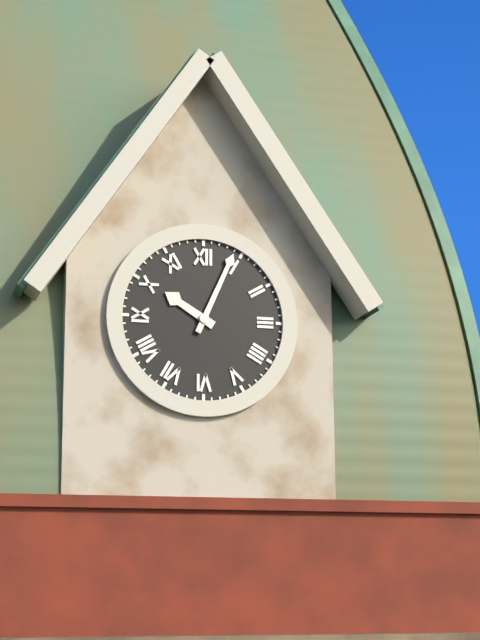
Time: **10:04**
